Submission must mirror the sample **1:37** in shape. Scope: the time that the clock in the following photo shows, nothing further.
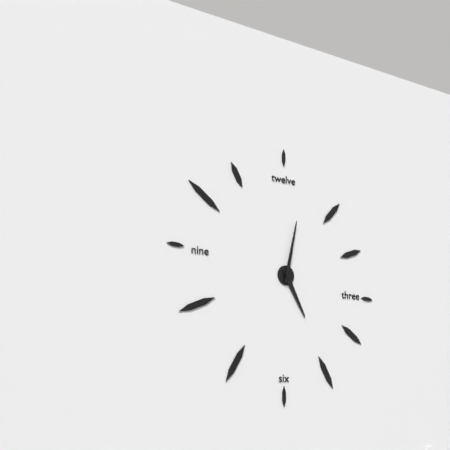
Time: **5:02**
